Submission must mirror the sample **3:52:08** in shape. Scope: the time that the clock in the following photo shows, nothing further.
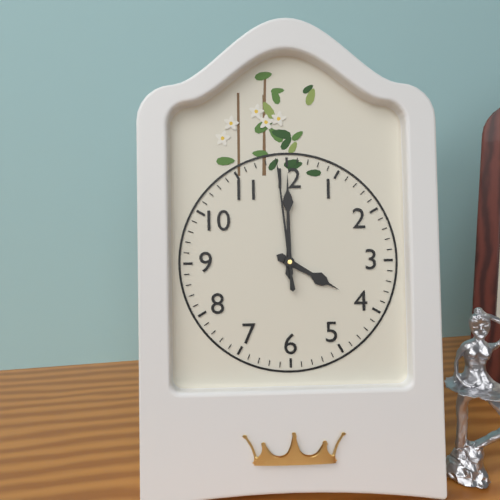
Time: **4:00:59**
